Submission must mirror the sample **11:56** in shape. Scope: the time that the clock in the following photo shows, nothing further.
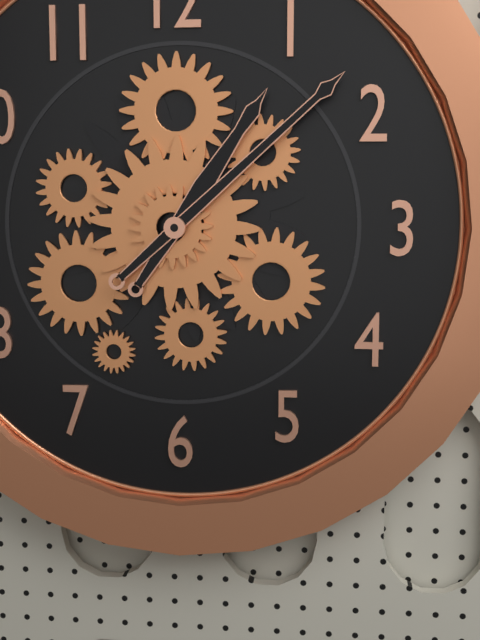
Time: **1:08**
